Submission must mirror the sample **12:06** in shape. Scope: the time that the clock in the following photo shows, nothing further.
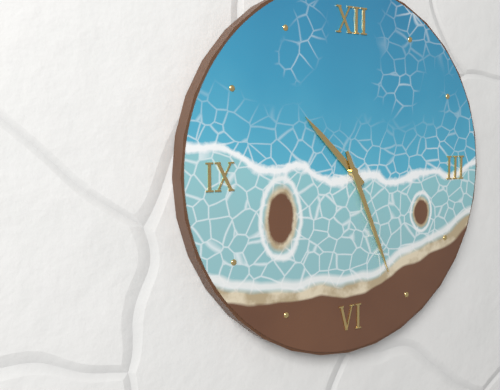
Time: **10:26**
